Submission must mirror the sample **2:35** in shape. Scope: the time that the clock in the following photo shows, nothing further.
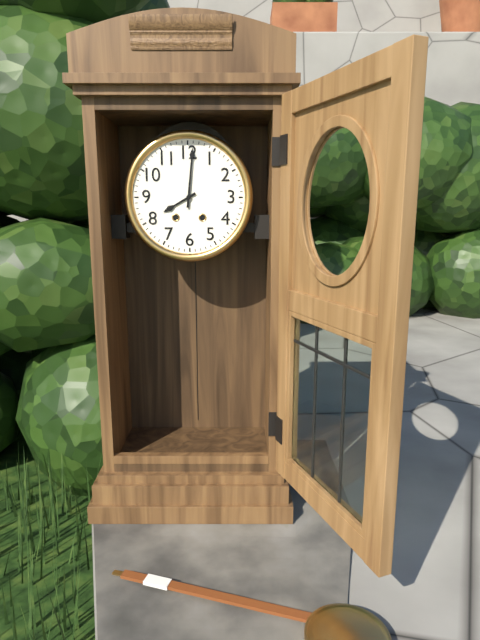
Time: **8:01**
